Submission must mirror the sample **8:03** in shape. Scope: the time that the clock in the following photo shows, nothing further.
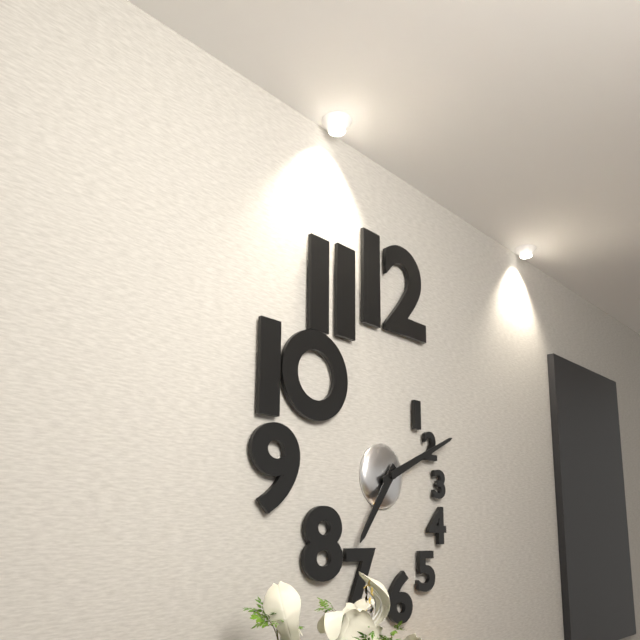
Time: **7:11**
